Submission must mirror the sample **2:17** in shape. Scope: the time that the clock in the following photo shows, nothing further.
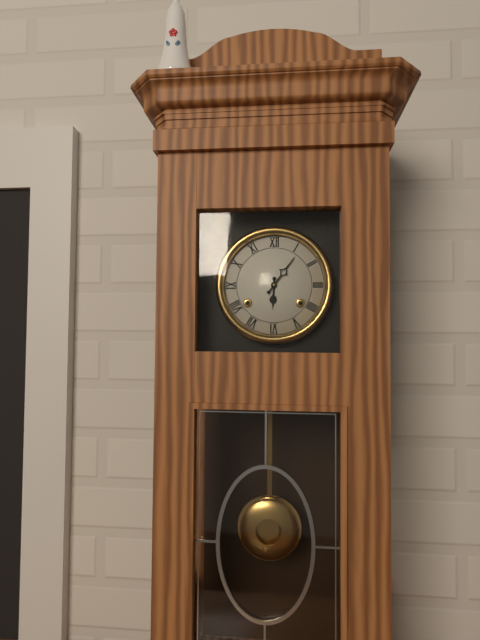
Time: **6:06**
